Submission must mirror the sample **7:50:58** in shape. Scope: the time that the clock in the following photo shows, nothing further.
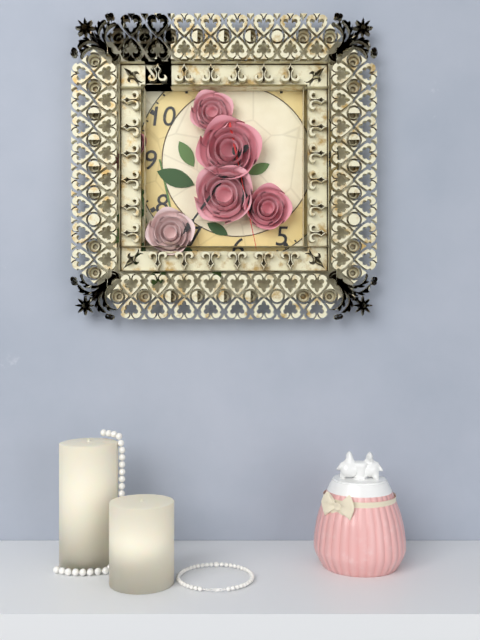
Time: **5:36:28**
